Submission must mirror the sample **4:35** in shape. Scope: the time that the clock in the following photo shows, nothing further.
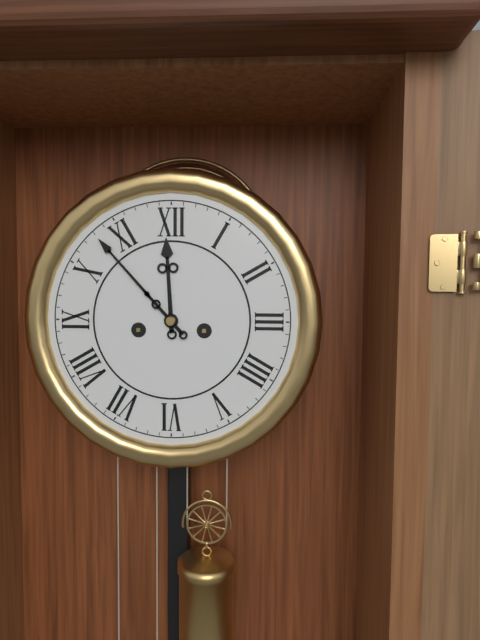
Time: **11:53**
